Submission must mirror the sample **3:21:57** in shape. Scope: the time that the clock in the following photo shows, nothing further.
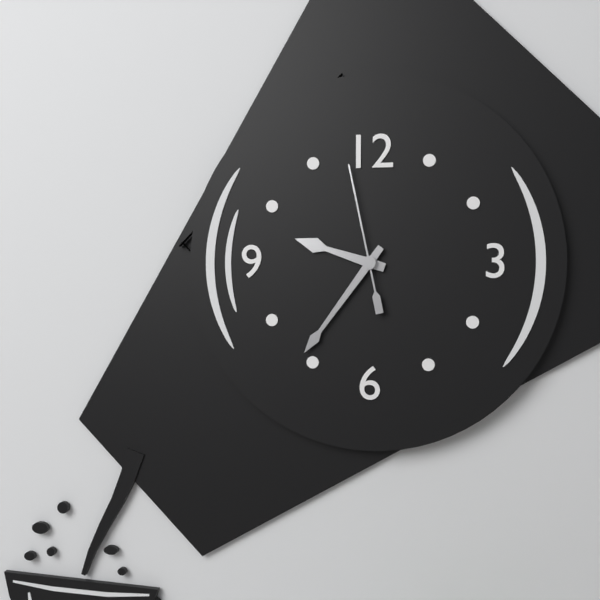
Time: **9:36:58**
